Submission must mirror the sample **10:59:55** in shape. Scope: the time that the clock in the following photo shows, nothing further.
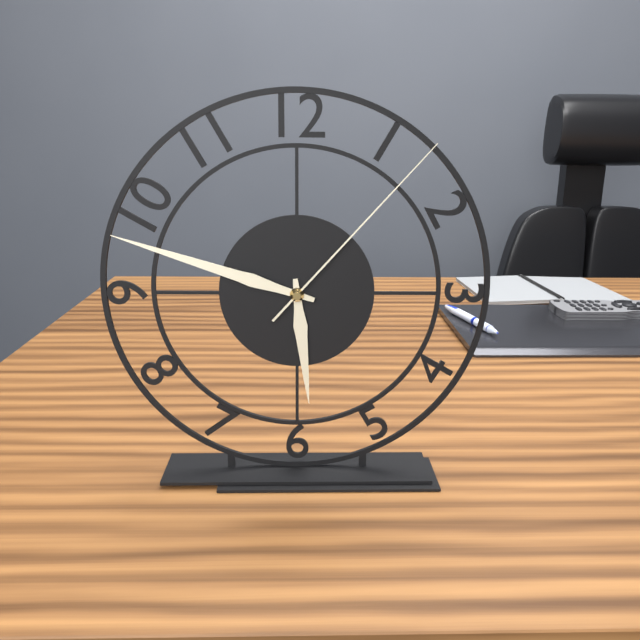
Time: **5:48:07**
